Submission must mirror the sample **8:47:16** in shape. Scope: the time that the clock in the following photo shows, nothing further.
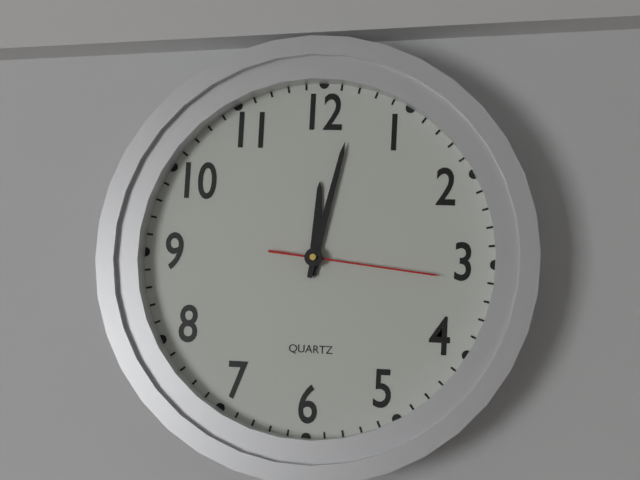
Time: **12:02:16**
